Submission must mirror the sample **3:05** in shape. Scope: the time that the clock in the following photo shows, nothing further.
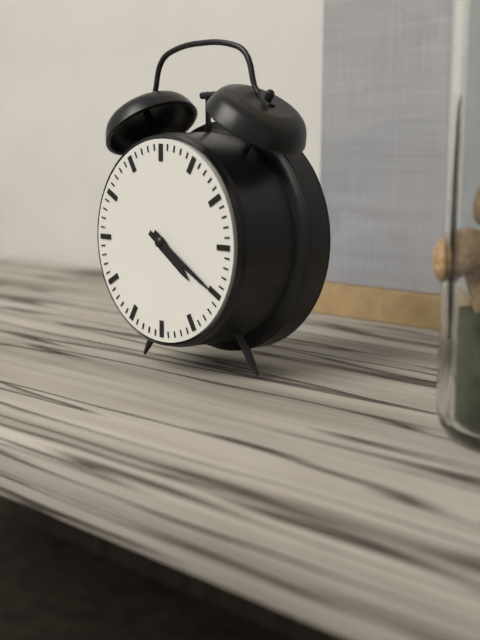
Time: **4:20**
